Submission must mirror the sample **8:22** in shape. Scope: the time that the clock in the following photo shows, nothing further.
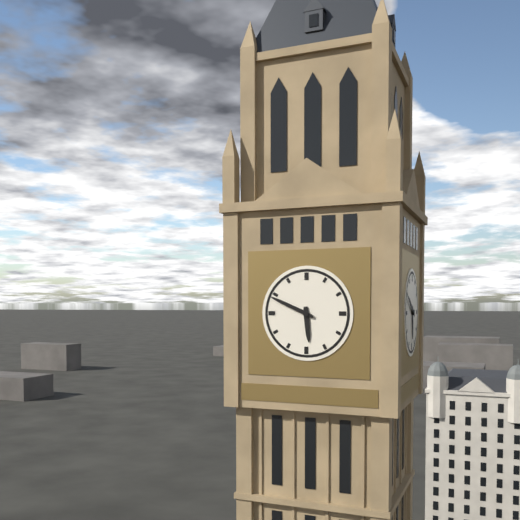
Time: **5:49**
